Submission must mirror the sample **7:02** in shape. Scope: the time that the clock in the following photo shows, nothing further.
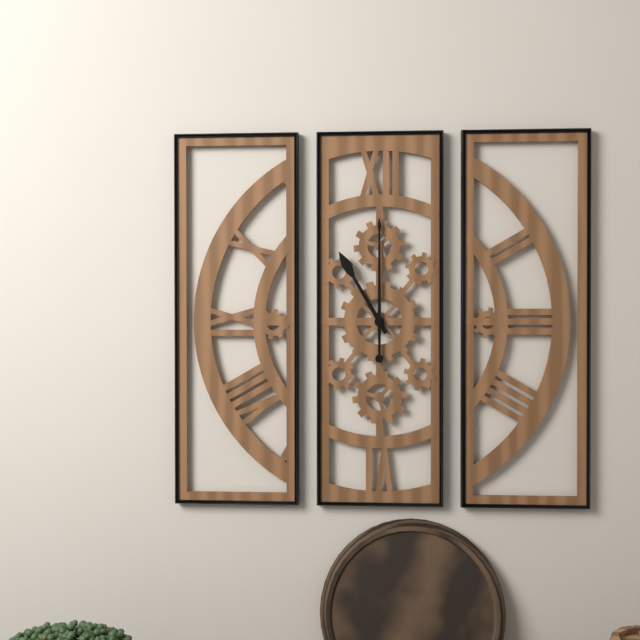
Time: **11:00**
